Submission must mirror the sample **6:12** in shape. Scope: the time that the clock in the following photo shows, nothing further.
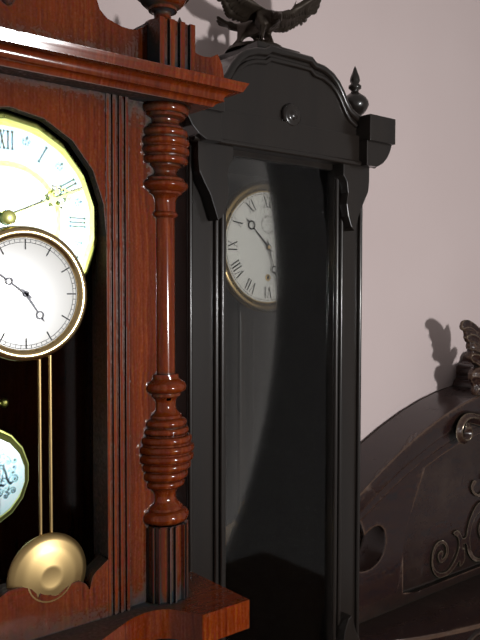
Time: **10:27**
